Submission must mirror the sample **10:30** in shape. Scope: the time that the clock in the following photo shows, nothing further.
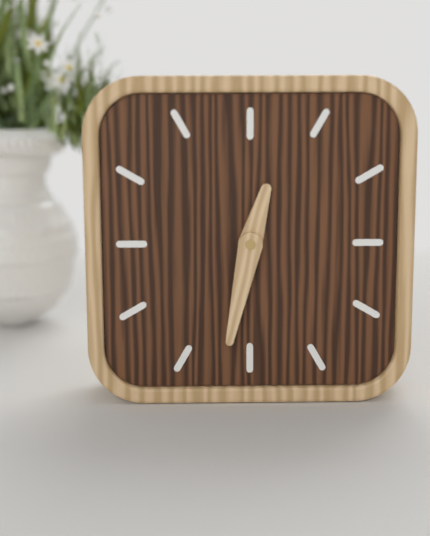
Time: **12:32**
